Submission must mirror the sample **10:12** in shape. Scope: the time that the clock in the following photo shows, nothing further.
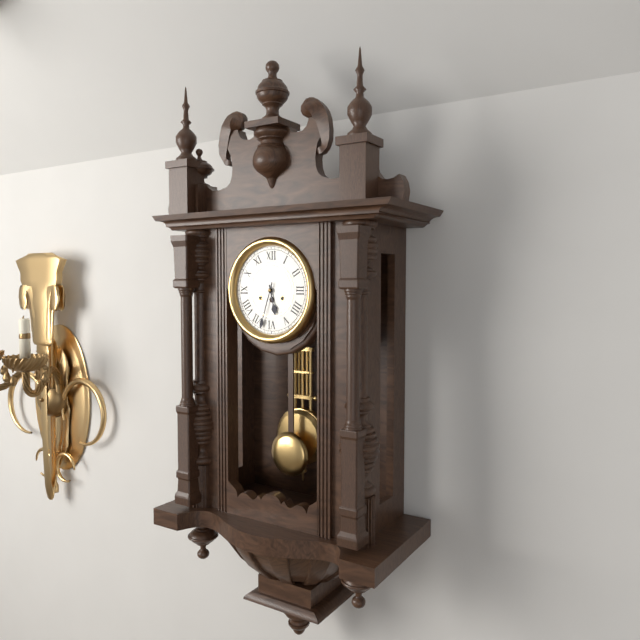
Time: **5:33**
